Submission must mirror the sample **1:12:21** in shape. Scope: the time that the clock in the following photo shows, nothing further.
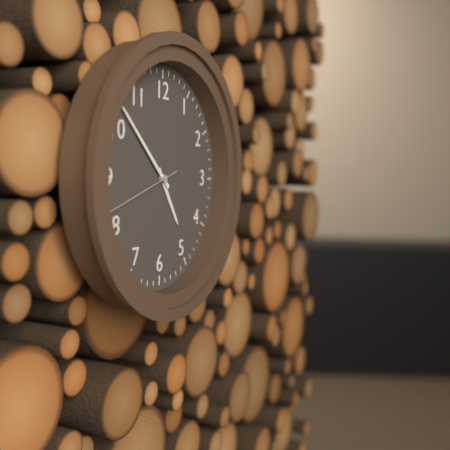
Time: **4:52:42**
